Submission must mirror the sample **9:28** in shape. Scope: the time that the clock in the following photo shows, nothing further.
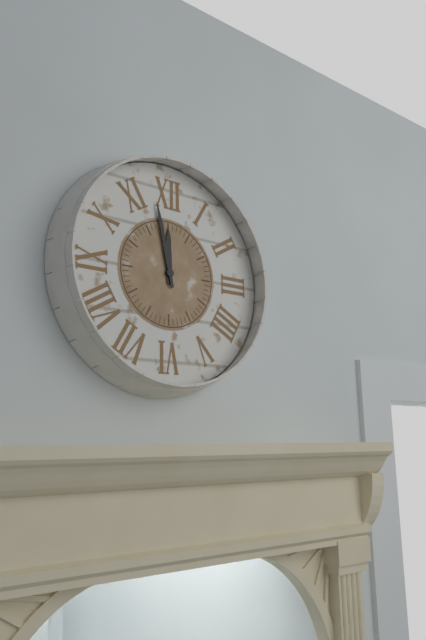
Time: **11:58**
